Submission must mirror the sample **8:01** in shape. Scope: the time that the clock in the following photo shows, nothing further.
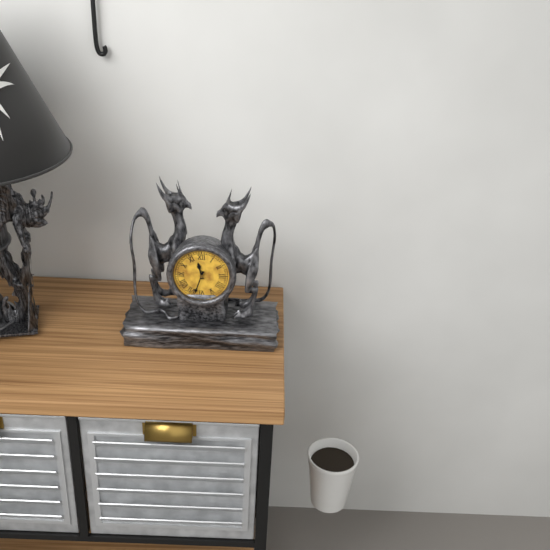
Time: **11:33**
